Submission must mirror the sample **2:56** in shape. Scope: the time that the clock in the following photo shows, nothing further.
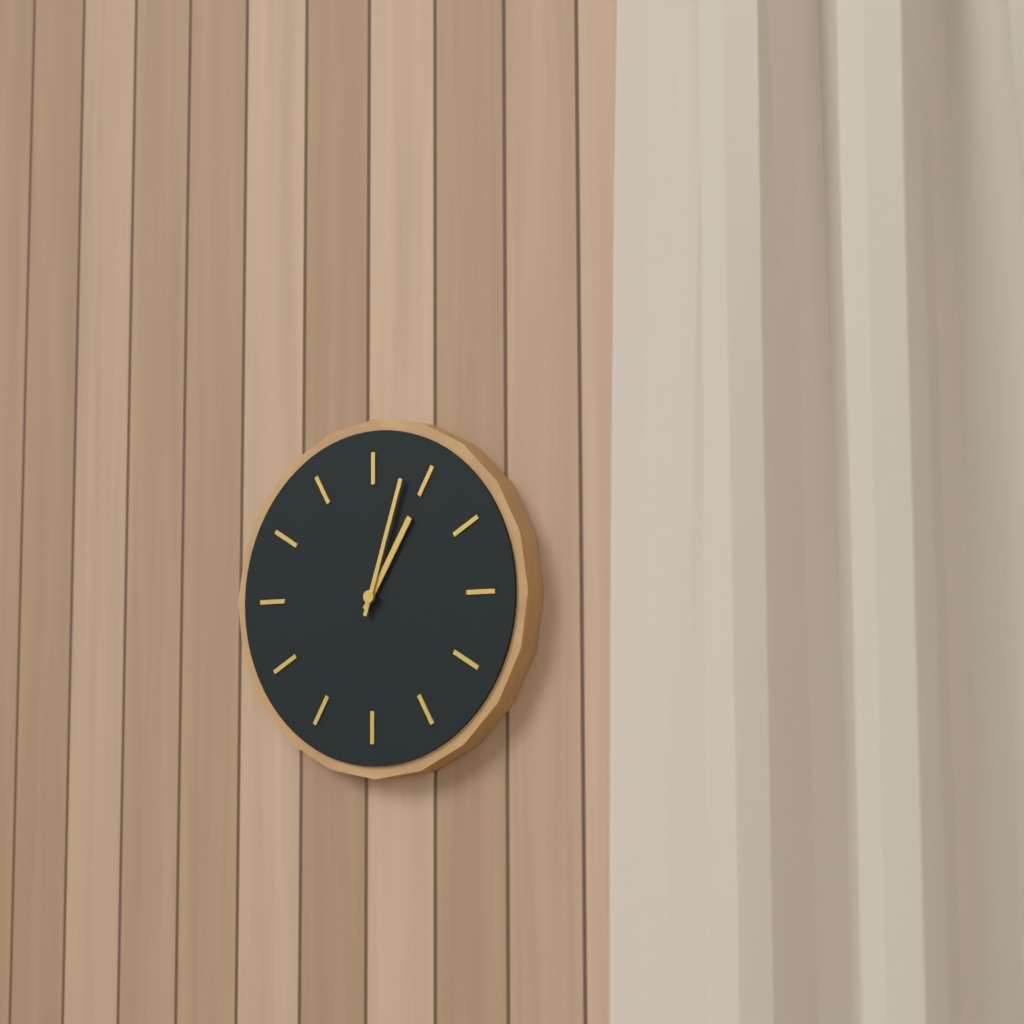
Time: **1:03**
